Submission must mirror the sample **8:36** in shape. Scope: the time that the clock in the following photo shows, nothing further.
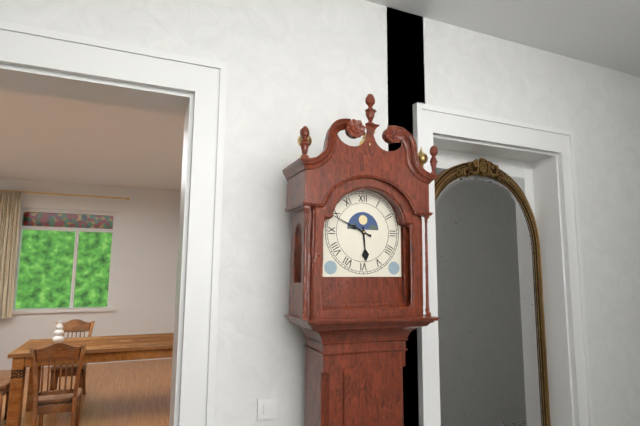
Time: **5:49**
